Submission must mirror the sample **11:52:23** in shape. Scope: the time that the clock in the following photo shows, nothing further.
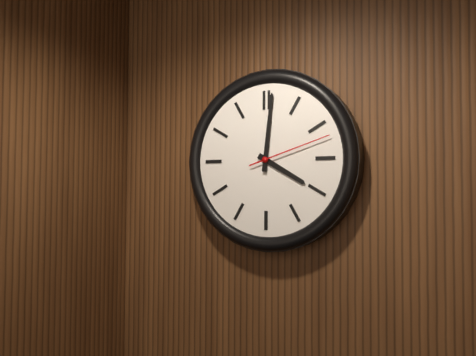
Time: **4:01:12**
